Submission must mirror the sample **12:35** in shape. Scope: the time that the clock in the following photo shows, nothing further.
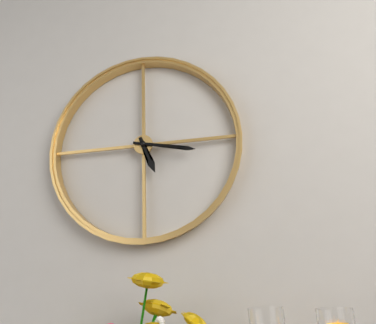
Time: **5:17**
